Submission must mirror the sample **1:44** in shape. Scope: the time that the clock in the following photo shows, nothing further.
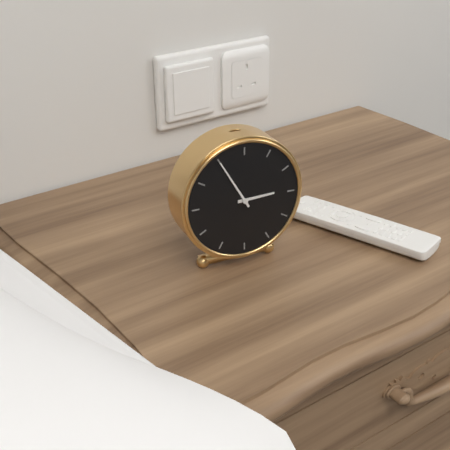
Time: **2:55**
